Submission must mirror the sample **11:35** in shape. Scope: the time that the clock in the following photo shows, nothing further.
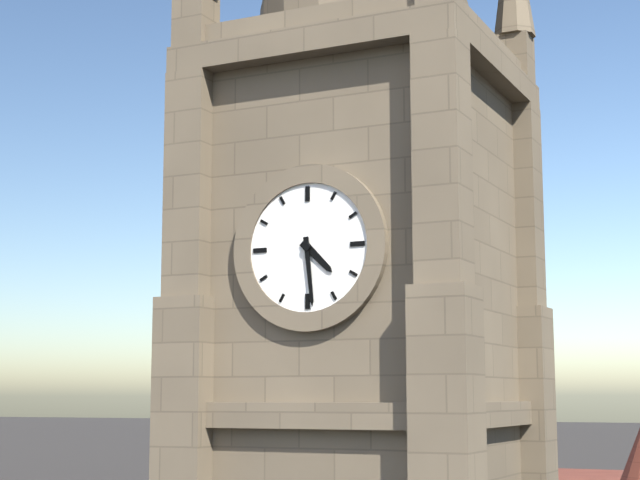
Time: **4:29**
